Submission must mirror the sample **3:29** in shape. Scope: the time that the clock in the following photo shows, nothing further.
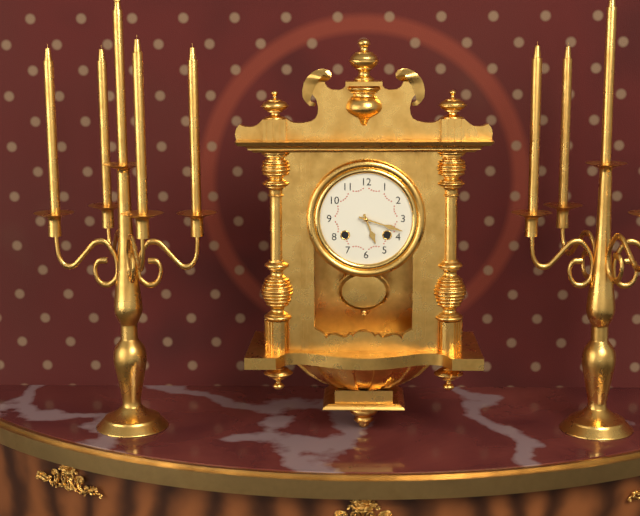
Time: **5:18**
